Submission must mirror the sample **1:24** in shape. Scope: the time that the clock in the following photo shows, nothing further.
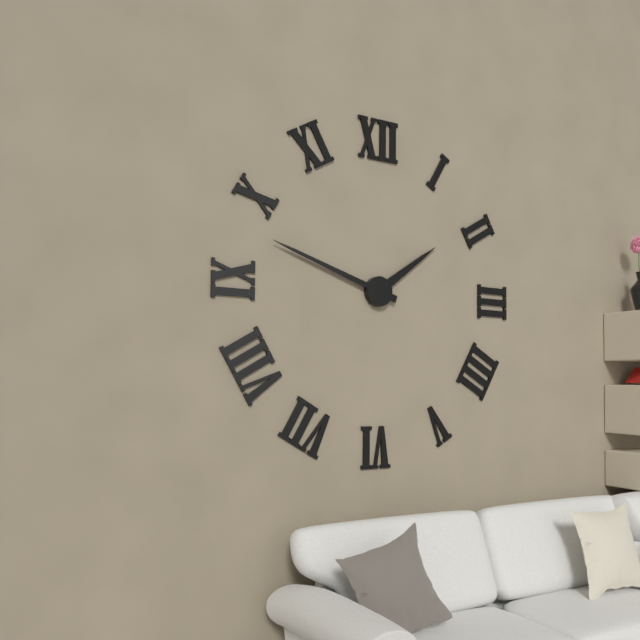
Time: **1:48**
